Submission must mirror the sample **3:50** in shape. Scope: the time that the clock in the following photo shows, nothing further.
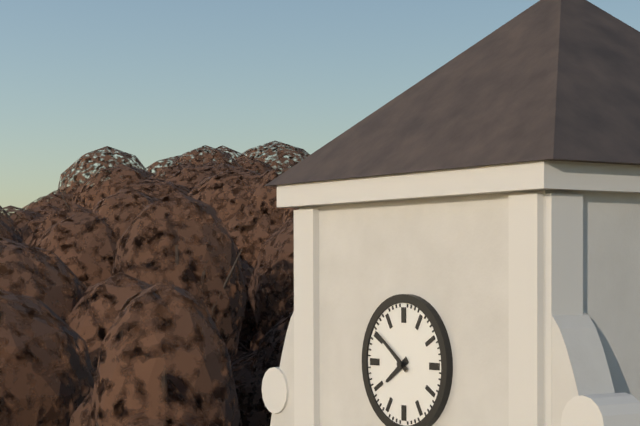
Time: **7:51**
